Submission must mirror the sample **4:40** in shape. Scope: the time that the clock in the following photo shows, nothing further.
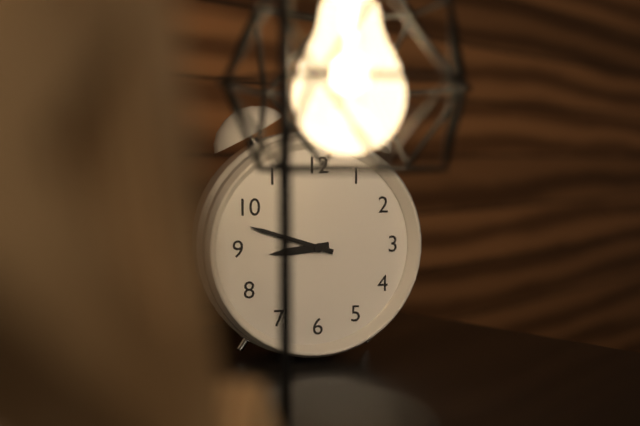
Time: **8:48**
